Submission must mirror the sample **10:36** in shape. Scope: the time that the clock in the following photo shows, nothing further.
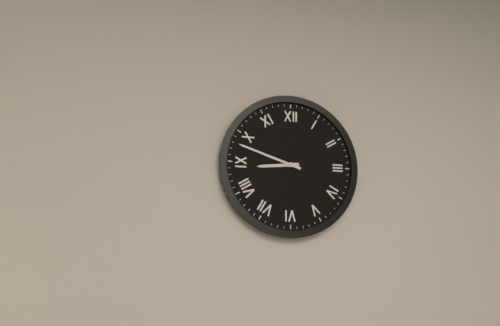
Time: **8:48**
